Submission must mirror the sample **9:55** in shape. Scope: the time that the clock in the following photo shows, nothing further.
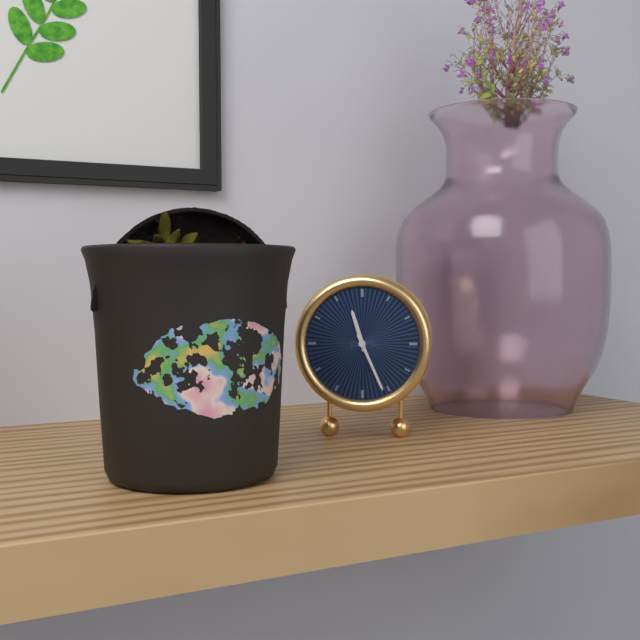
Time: **11:26**
